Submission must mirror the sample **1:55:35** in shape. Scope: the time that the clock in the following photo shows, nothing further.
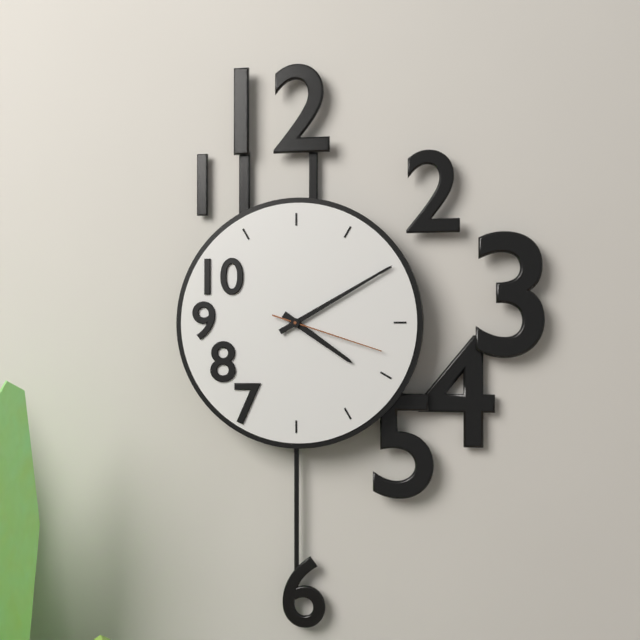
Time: **4:10:18**
